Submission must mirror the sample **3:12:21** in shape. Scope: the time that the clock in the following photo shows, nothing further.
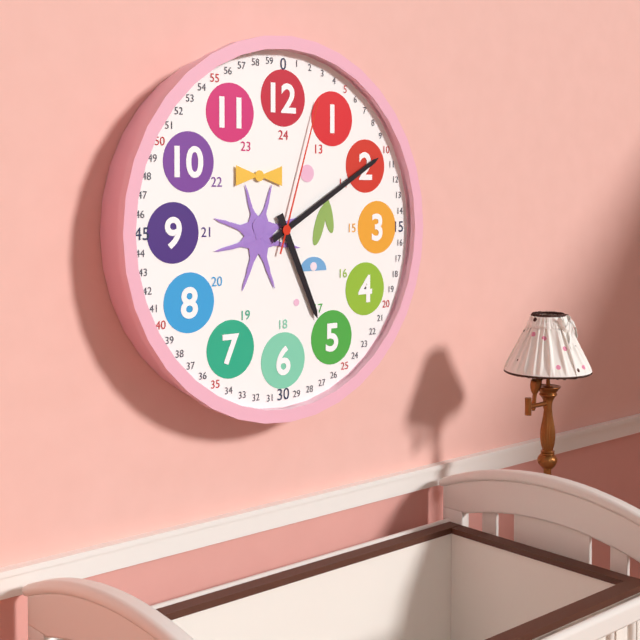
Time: **5:10:03**
